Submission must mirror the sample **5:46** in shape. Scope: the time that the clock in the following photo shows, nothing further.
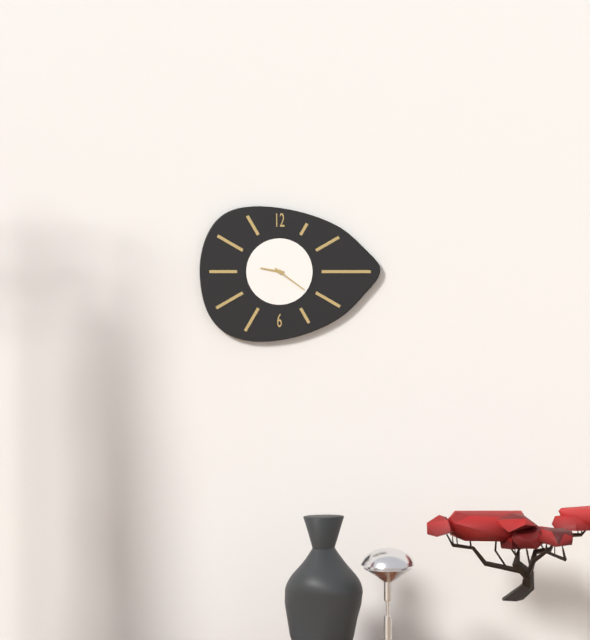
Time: **9:21**
